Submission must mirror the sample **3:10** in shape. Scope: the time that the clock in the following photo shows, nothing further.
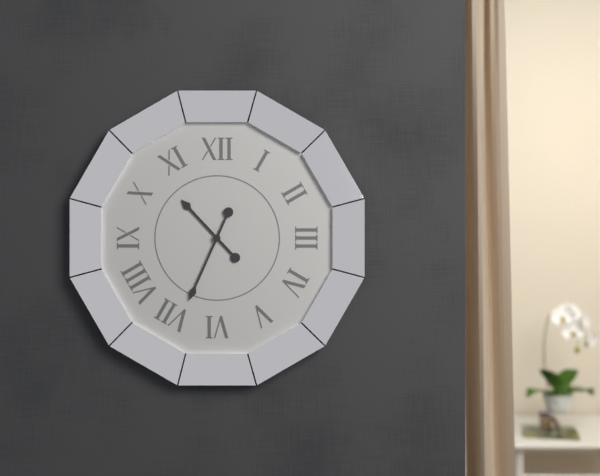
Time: **10:34**
